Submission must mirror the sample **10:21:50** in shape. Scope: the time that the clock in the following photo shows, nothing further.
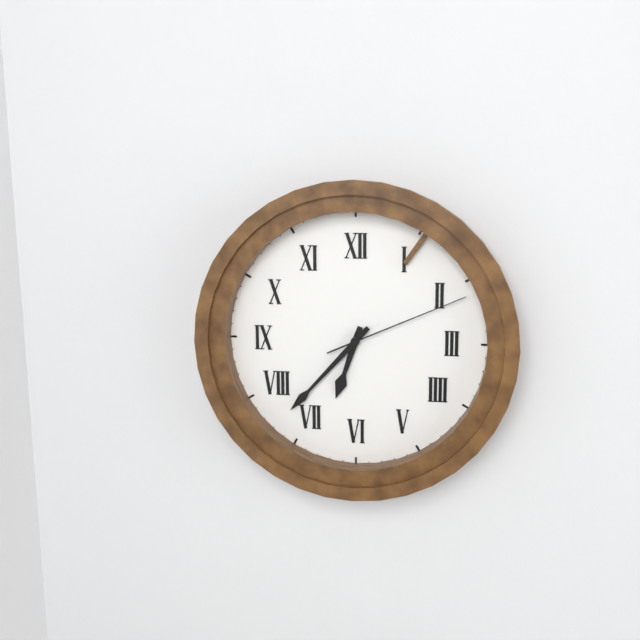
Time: **6:37:11**
